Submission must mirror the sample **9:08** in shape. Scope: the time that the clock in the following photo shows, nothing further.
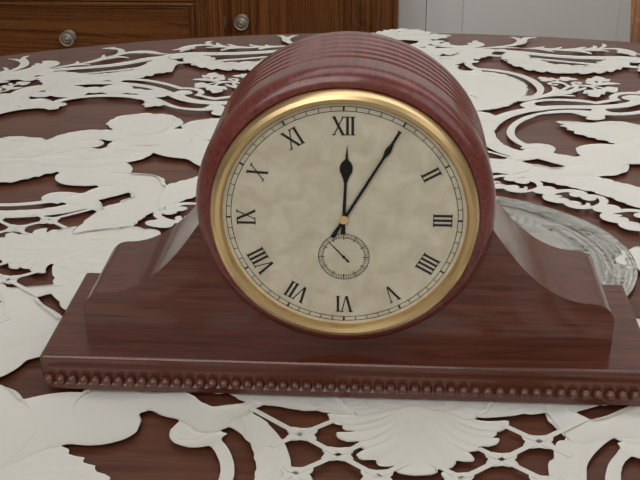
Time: **12:05**
